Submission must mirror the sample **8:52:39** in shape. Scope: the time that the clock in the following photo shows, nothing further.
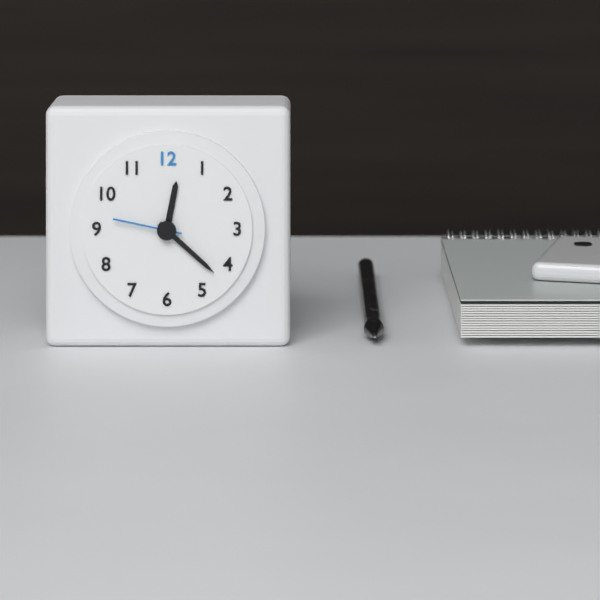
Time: **12:22:47**
